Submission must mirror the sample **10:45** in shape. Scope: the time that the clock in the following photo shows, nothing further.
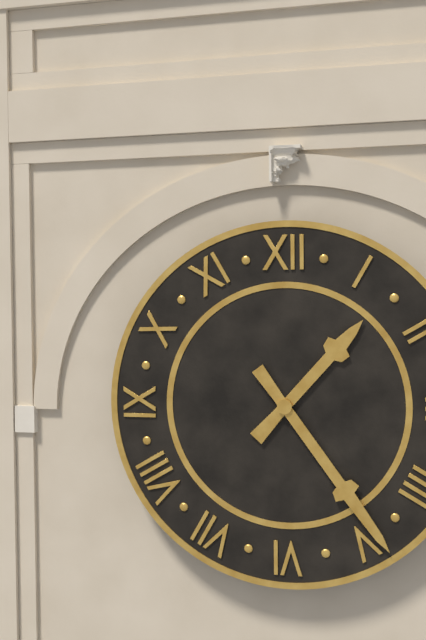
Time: **1:24**
